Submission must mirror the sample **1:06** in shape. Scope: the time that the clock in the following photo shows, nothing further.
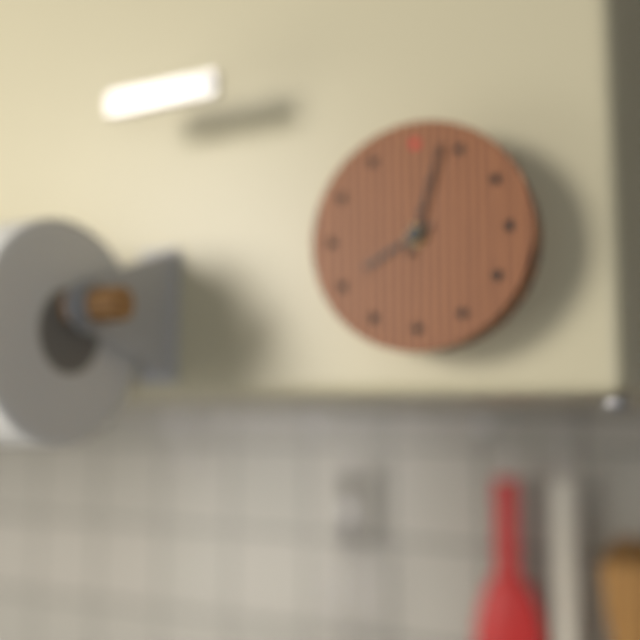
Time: **8:03**
